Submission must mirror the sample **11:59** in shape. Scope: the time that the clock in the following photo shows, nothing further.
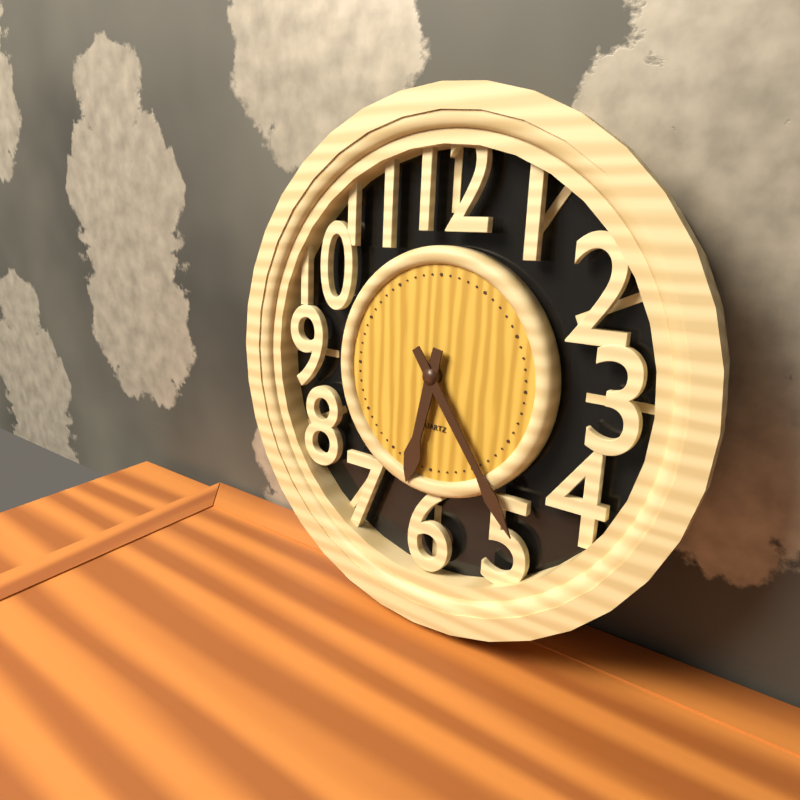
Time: **6:24**
